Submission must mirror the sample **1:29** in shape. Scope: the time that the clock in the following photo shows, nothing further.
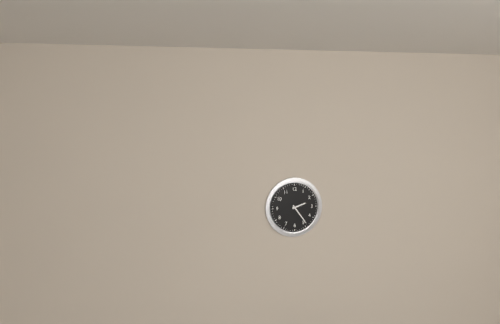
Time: **2:24**
